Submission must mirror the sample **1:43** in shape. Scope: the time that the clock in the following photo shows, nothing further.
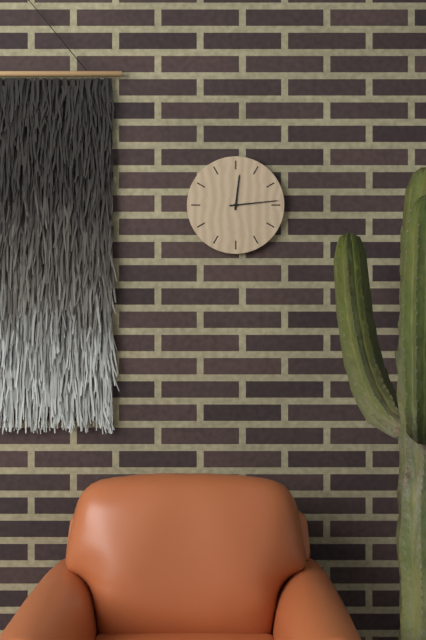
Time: **12:14**
